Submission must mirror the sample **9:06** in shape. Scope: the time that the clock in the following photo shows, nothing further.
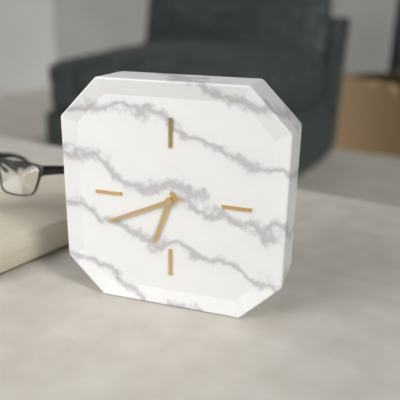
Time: **6:41**
